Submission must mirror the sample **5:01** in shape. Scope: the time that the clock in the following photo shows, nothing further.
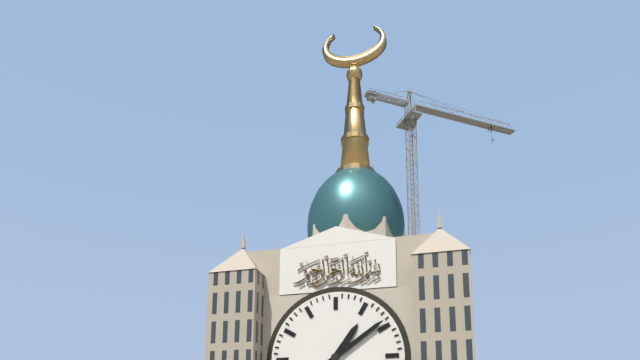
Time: **1:09**
